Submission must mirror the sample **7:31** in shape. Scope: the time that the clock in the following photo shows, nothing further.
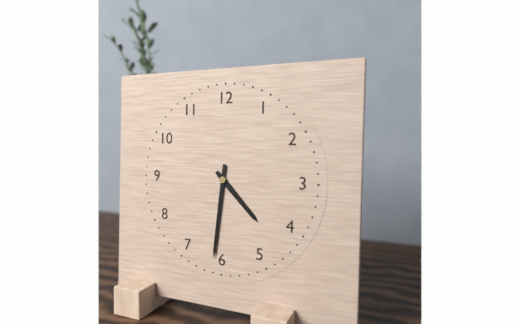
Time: **4:31**
